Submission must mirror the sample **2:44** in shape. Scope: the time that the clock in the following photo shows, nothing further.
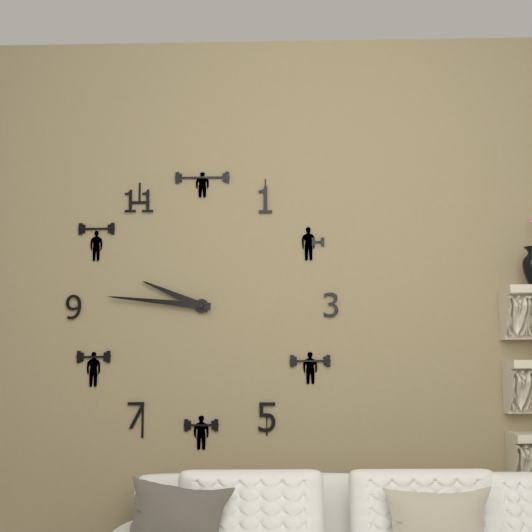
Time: **9:46**
